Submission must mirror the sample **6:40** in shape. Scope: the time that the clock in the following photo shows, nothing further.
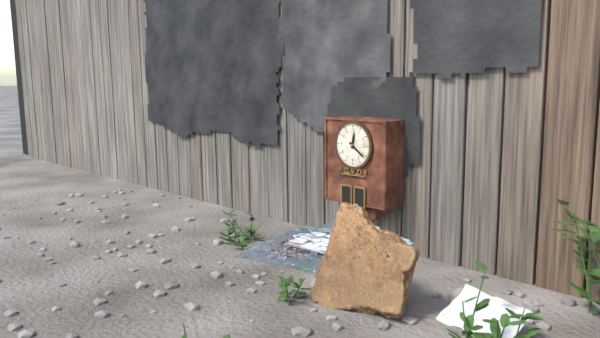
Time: **12:21**
